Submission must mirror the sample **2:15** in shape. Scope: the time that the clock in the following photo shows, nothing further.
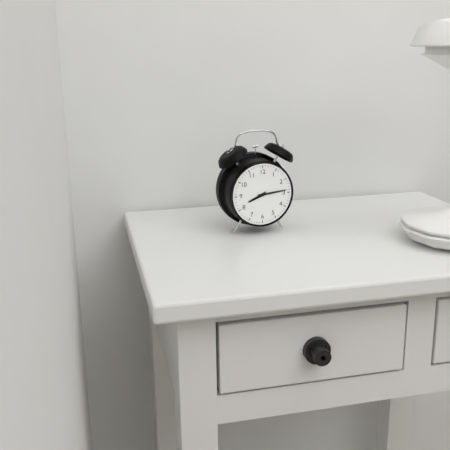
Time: **8:14**
